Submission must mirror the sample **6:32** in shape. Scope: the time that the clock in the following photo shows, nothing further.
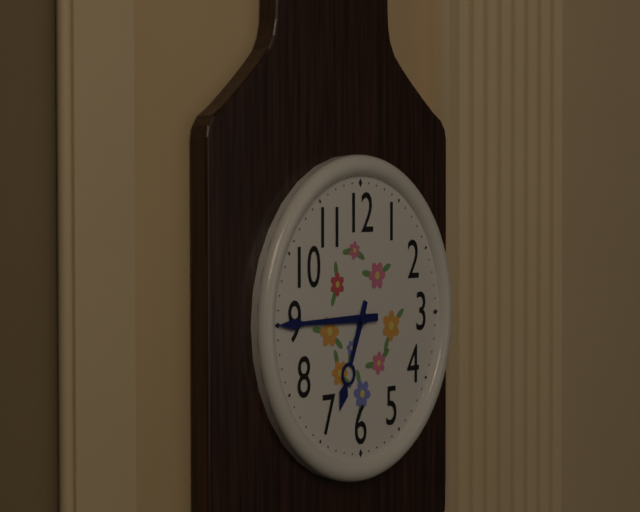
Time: **6:45**
